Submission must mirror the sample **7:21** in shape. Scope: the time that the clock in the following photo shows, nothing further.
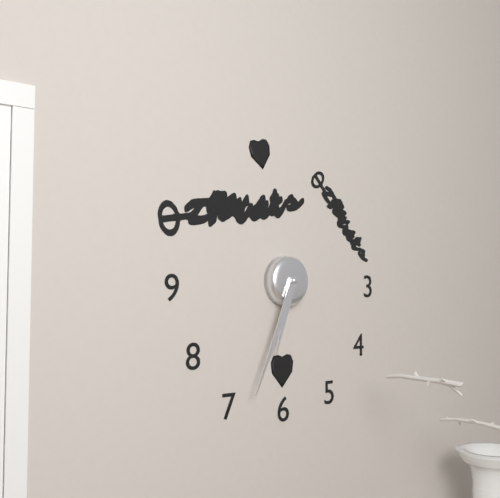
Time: **6:34**
